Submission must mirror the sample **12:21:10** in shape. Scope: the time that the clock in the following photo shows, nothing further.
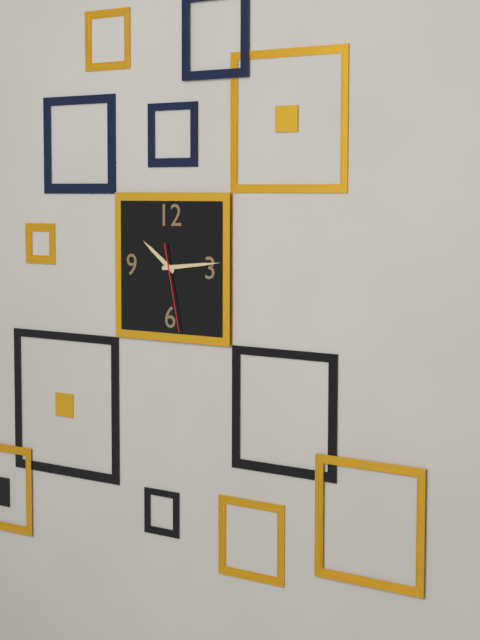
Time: **10:14:28**
